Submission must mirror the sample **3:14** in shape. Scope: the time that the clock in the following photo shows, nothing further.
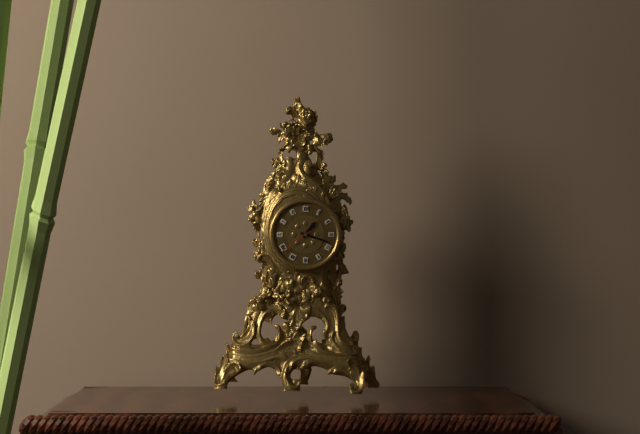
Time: **1:18**
